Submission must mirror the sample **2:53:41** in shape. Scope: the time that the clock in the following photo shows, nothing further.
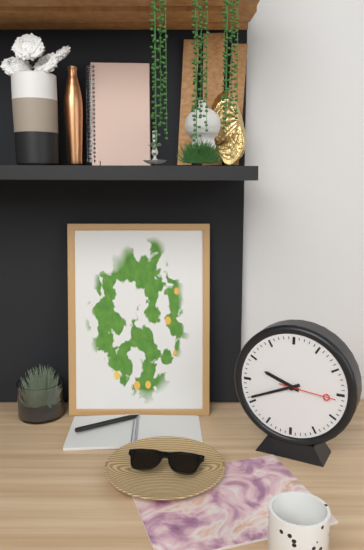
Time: **9:41:16**
